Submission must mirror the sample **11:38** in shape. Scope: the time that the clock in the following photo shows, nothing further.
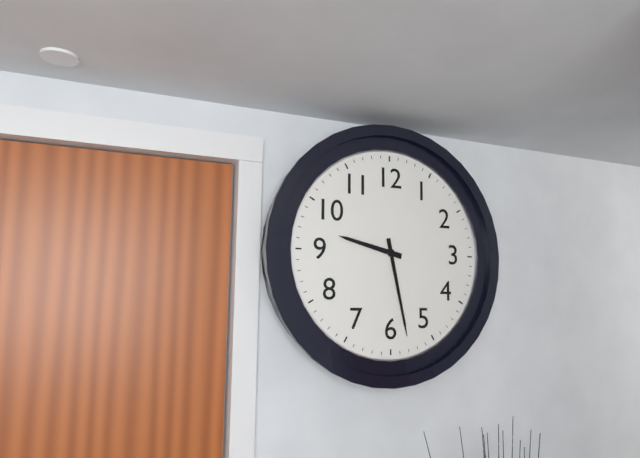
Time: **9:28**
